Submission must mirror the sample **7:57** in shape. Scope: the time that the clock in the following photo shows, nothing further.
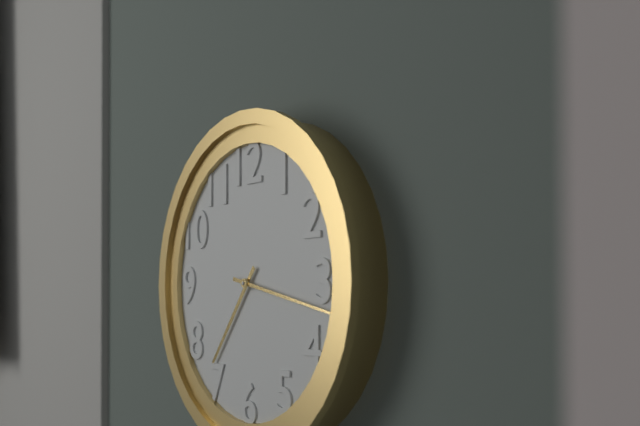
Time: **7:17**
